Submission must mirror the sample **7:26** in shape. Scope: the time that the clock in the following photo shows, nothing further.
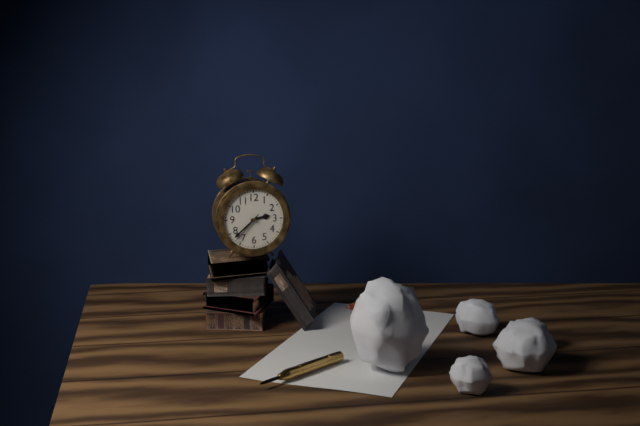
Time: **2:38**
